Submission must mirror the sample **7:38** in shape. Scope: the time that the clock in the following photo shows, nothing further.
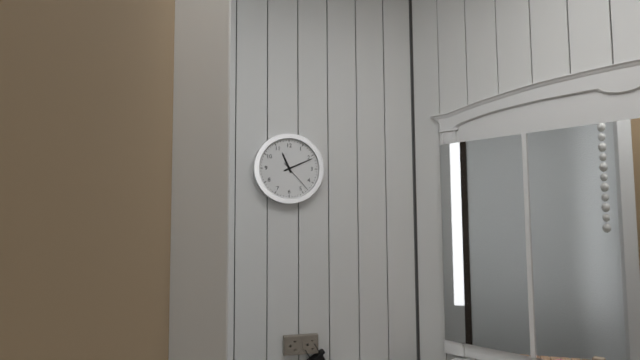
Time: **11:11**
